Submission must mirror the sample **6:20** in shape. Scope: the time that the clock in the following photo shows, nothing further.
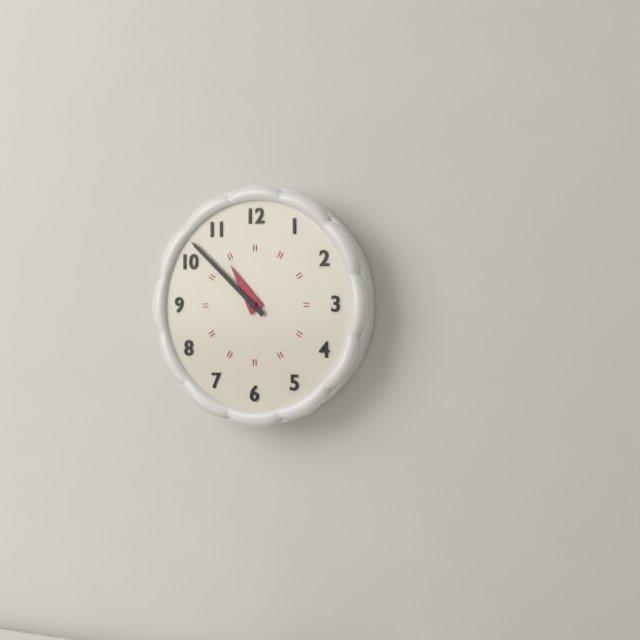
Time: **10:52**
